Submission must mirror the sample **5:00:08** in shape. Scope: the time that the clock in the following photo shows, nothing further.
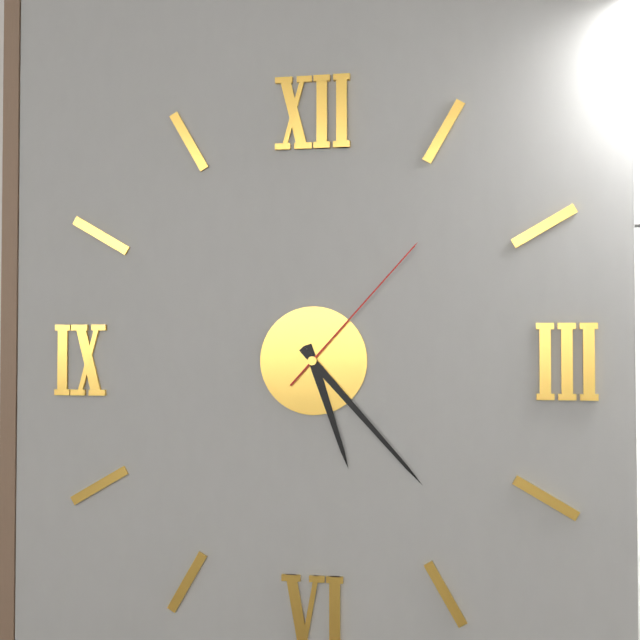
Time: **5:23:07**
